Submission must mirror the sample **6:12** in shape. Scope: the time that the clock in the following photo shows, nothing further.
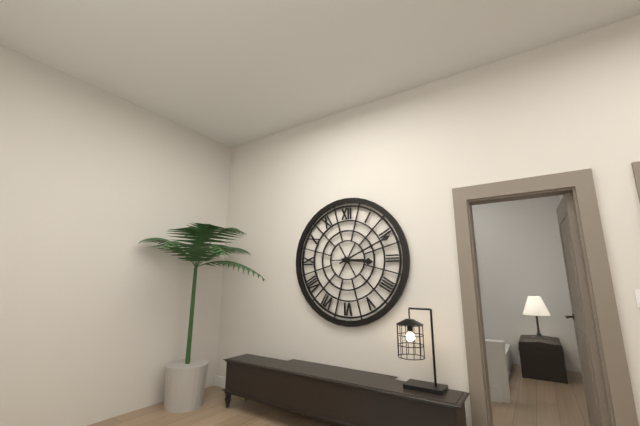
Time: **3:11**
